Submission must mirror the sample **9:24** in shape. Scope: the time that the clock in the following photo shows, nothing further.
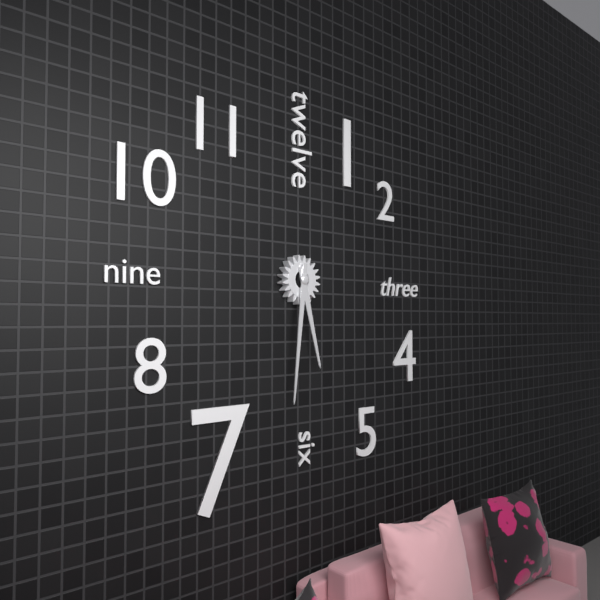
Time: **5:31**
